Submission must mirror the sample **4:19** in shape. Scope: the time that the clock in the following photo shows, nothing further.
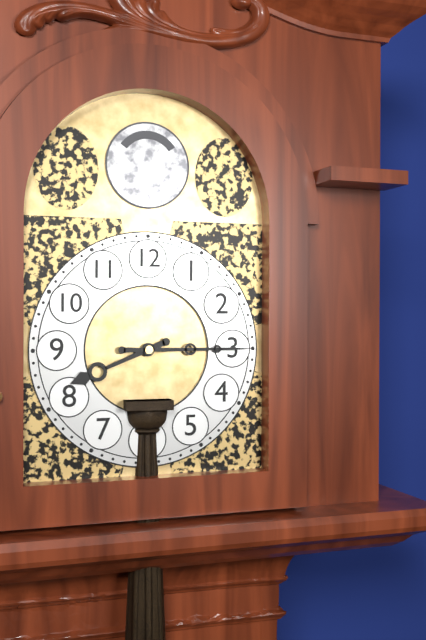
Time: **8:15**
